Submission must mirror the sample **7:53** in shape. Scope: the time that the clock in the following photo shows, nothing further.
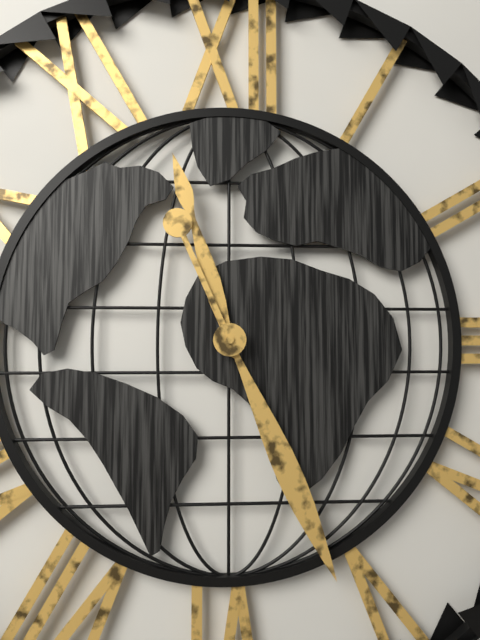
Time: **11:26**
